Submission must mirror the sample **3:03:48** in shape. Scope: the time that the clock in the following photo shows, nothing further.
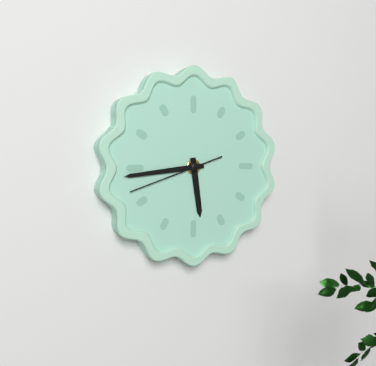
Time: **5:44:42**
